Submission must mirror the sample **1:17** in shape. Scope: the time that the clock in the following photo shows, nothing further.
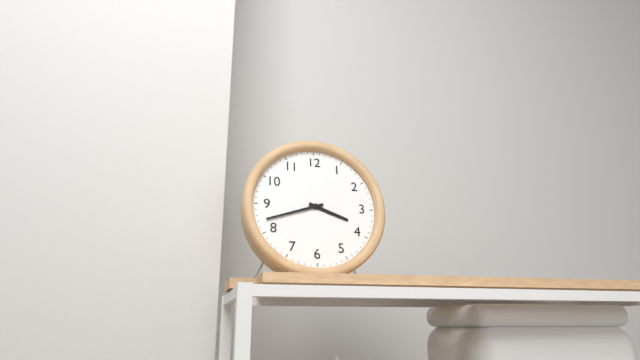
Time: **3:42**
